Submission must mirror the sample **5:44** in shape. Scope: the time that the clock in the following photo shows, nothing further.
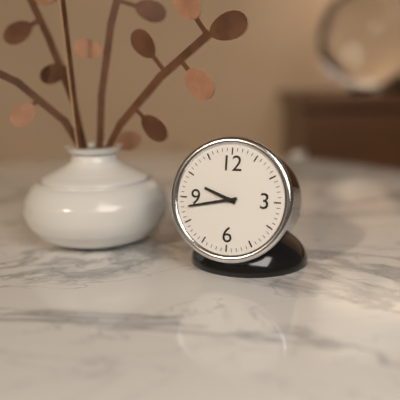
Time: **9:43**
